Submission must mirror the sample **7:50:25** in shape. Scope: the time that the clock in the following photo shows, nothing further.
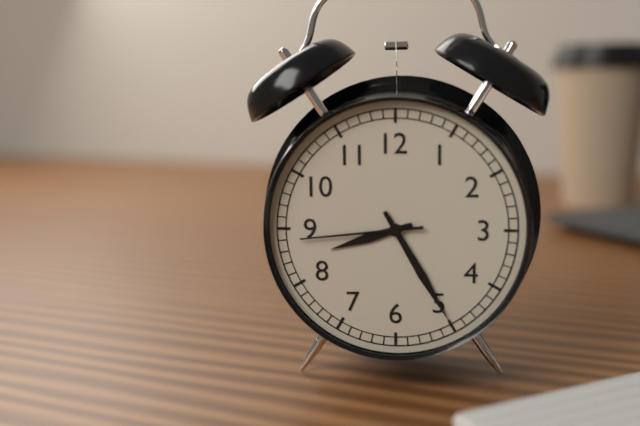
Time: **8:25:44**
